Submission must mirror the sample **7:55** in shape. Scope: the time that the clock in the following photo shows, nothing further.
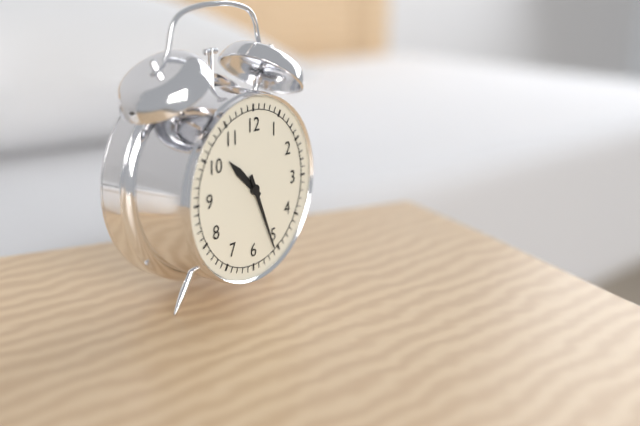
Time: **10:26**
